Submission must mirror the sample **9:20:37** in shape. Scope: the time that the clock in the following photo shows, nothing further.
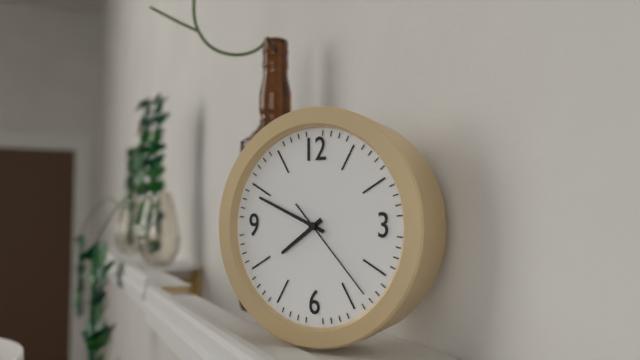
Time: **7:49:23**
